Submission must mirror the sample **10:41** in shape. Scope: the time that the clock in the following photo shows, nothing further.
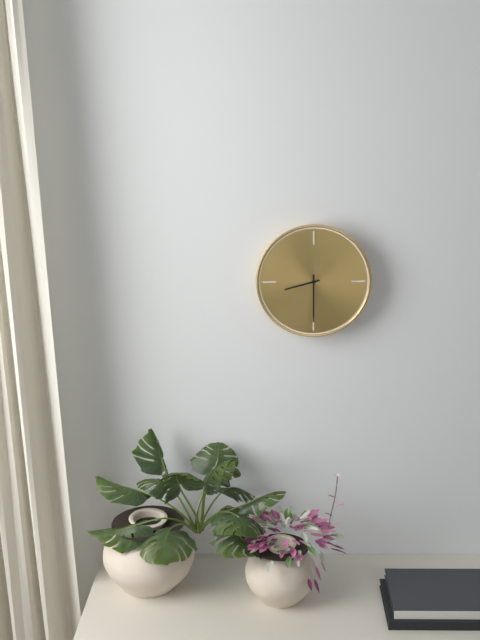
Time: **8:30**
